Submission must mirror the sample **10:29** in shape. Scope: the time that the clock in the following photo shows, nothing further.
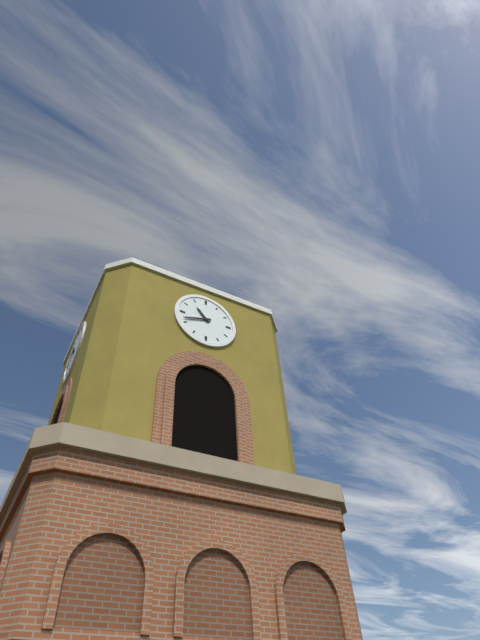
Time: **10:42**
